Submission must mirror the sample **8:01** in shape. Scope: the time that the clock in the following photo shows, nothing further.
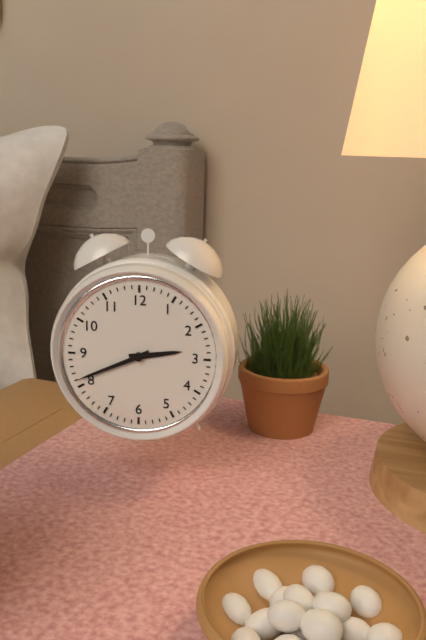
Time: **2:41**
